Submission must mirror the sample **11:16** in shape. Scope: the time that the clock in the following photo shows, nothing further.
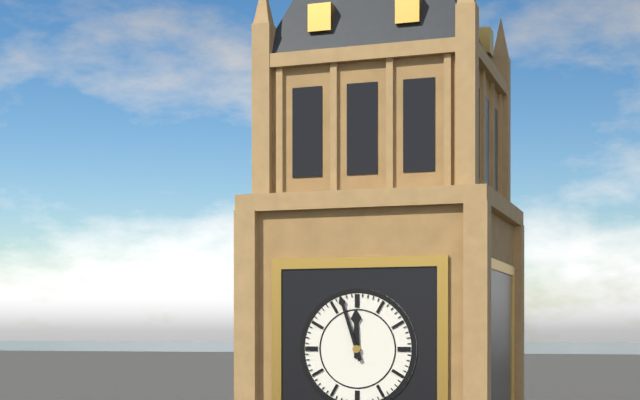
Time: **11:57**
